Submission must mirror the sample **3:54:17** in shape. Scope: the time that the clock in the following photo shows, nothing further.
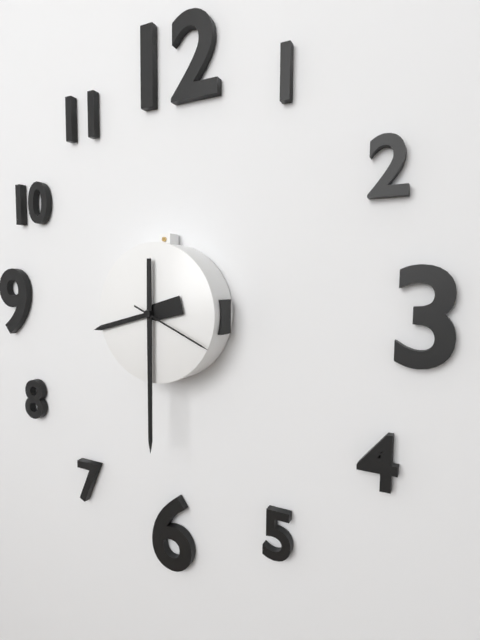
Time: **8:30:19**
